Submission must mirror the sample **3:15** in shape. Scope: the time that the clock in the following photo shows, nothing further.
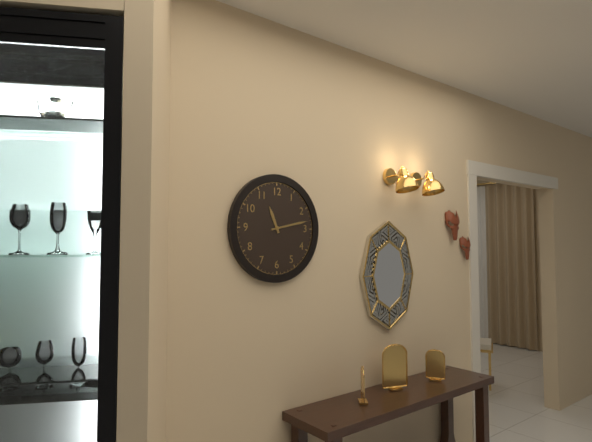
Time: **11:13**
